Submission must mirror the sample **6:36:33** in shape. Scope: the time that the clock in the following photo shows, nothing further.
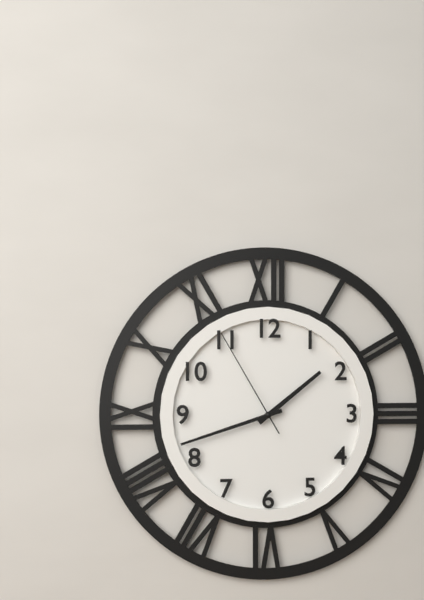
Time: **1:42:55**
